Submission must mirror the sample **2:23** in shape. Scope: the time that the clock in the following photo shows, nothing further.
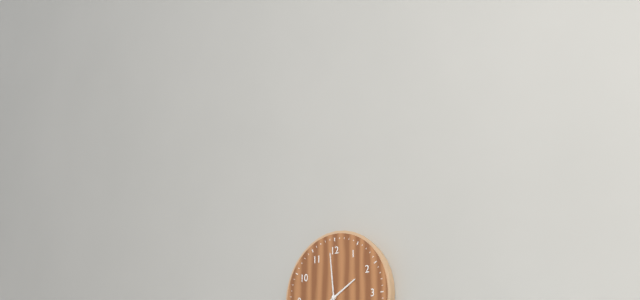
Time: **1:59**
